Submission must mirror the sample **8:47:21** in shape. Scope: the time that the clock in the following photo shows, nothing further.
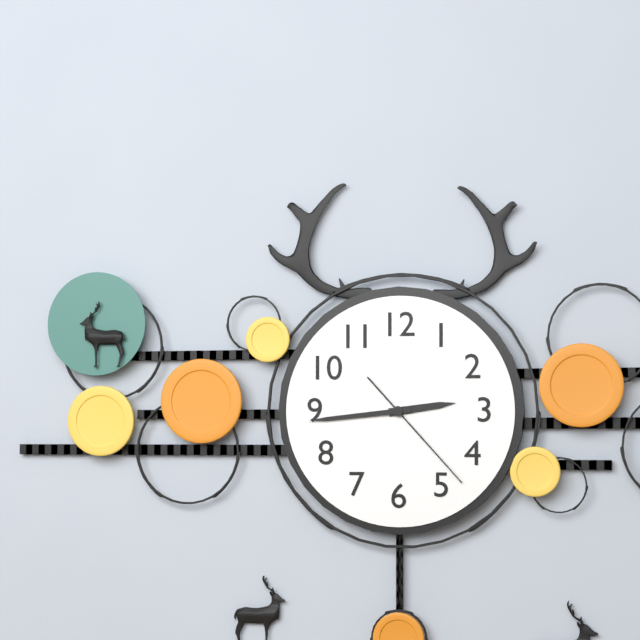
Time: **2:44:23**
